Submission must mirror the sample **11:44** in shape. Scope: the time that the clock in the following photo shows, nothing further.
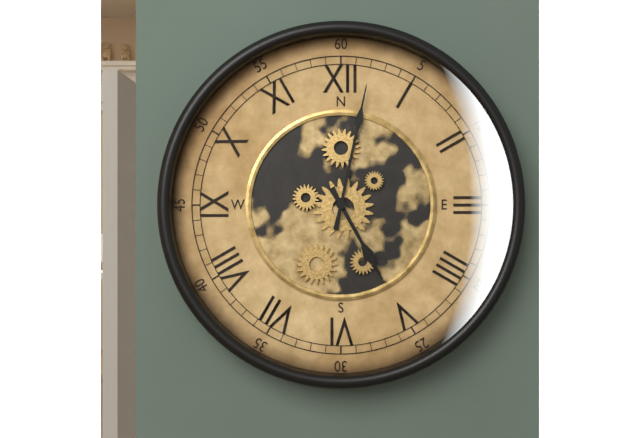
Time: **5:02**
